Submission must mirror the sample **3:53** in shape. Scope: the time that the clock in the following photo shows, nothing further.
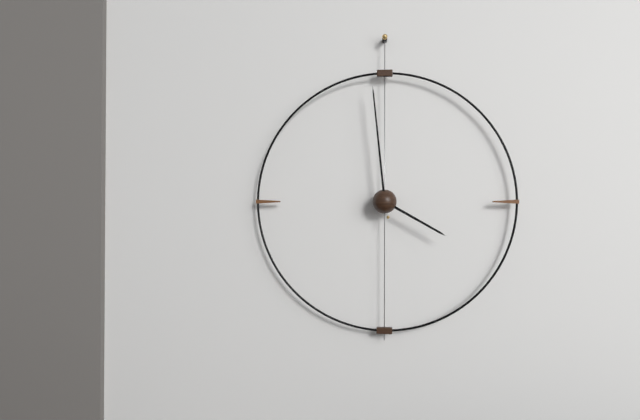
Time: **3:59**
